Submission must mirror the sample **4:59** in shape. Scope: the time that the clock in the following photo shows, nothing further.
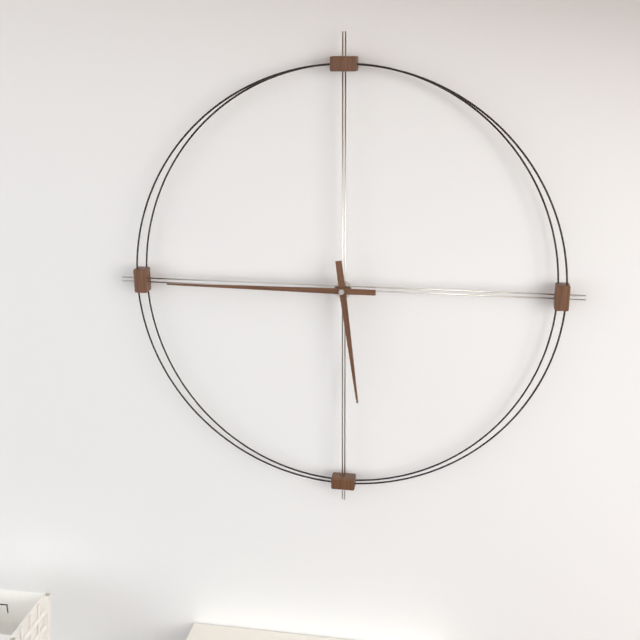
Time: **5:45**
